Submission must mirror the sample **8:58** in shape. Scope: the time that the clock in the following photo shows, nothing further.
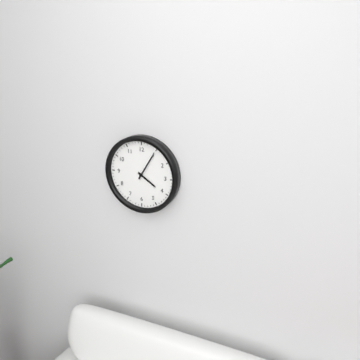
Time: **4:05**
